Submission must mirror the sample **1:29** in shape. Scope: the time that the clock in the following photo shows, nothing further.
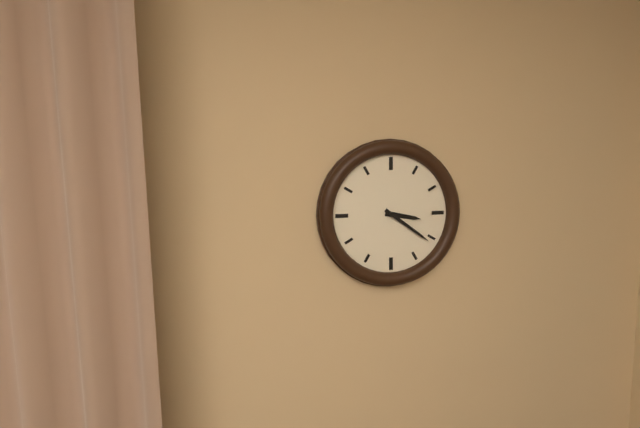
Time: **3:21**
